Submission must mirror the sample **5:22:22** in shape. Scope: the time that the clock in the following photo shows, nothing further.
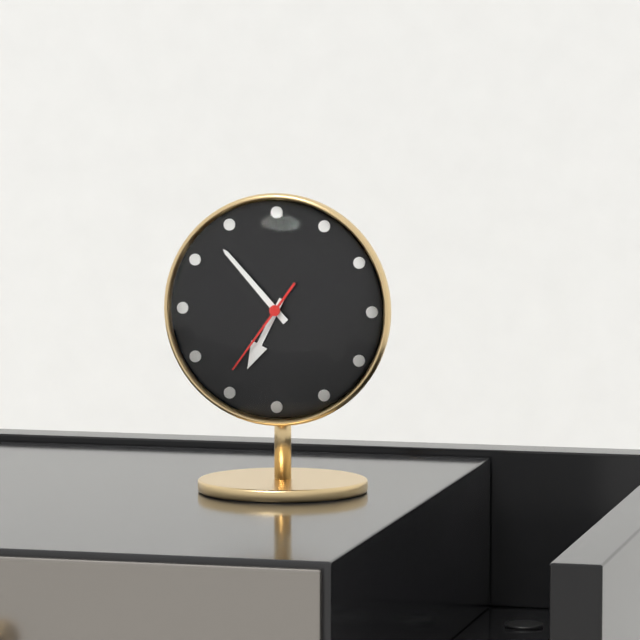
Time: **6:53:36**
